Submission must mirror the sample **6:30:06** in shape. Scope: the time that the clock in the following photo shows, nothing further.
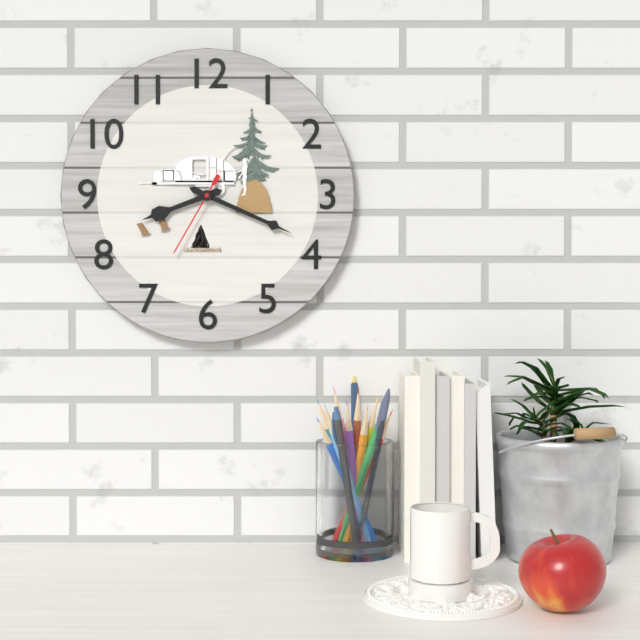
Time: **8:19:35**
